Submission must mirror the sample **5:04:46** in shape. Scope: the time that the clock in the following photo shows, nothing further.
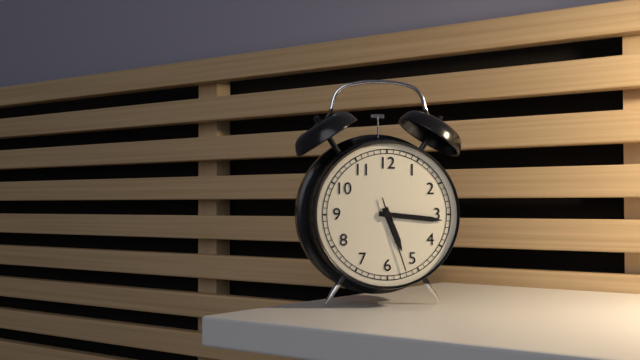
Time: **5:16:27**
